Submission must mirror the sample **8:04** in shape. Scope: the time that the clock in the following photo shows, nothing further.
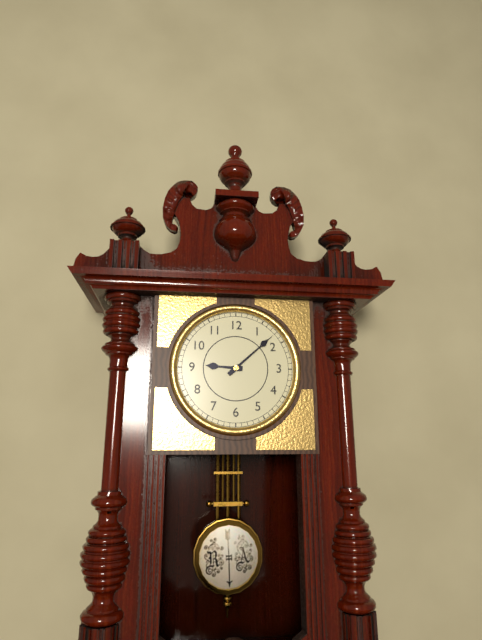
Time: **9:08**
